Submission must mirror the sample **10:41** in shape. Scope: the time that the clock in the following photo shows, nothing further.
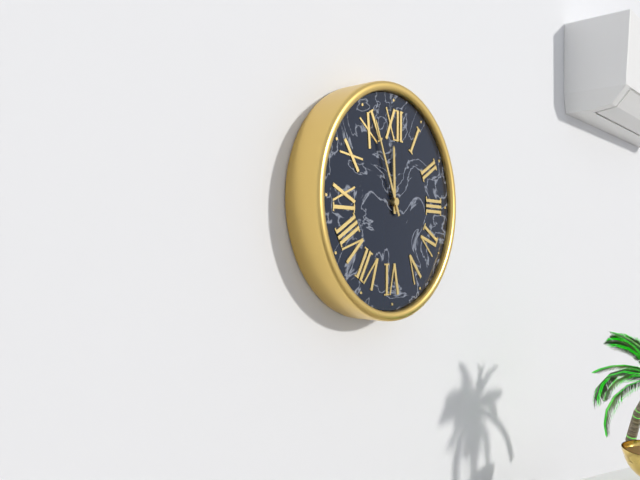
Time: **11:56**
